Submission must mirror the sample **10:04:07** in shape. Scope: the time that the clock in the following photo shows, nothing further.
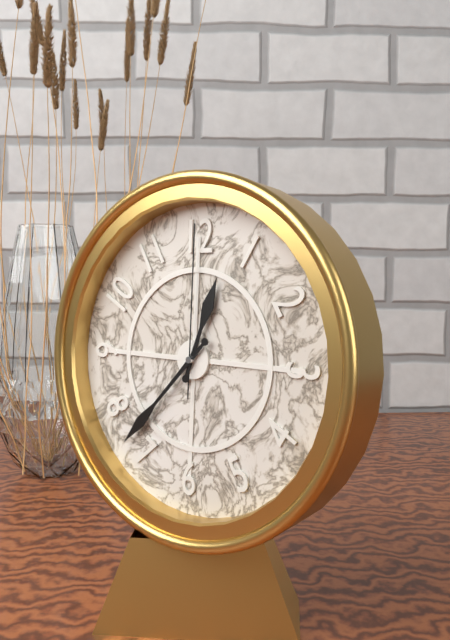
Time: **12:37:00**
